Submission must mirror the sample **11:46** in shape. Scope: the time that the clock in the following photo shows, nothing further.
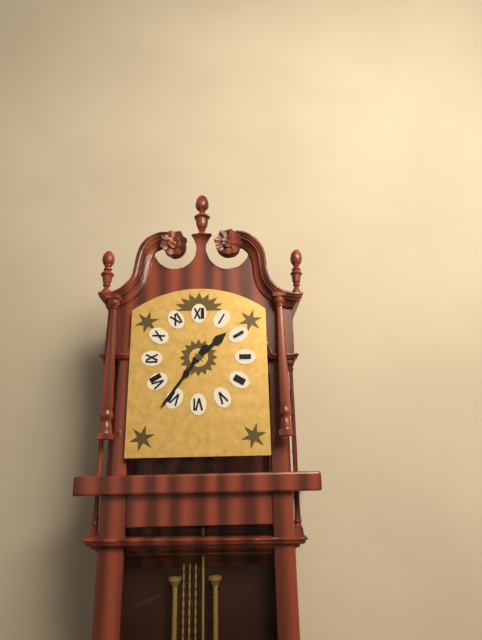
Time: **1:36**
